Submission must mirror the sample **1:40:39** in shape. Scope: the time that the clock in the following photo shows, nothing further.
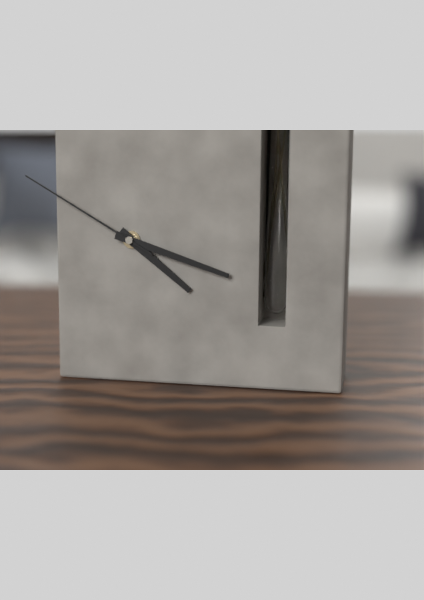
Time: **4:18:50**
